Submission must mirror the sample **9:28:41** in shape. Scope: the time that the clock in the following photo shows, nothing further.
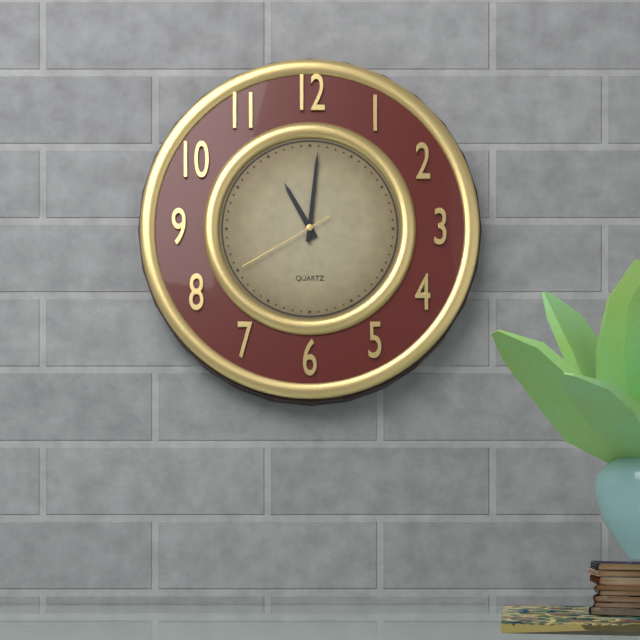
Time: **11:01:40**
